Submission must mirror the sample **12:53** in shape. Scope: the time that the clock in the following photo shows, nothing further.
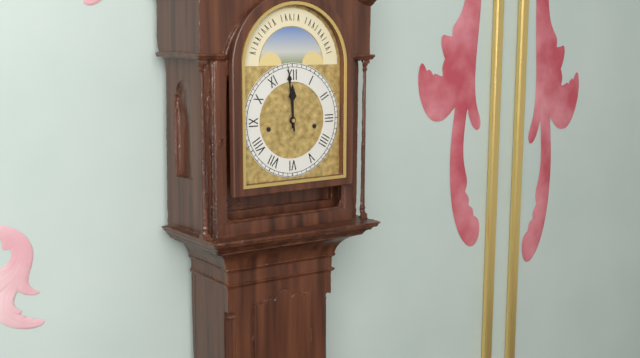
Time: **11:59**
